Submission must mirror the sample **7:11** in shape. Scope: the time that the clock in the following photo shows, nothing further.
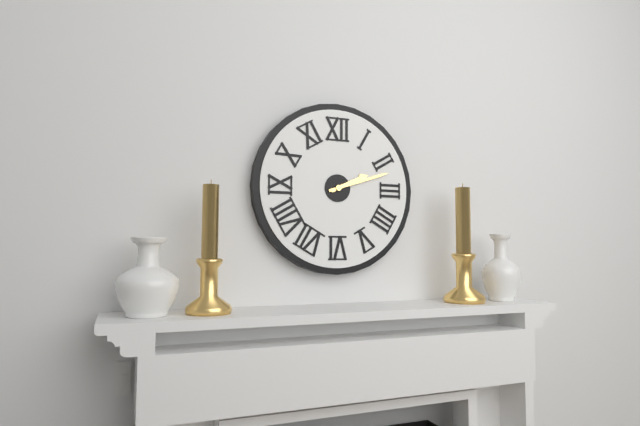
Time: **2:12**
